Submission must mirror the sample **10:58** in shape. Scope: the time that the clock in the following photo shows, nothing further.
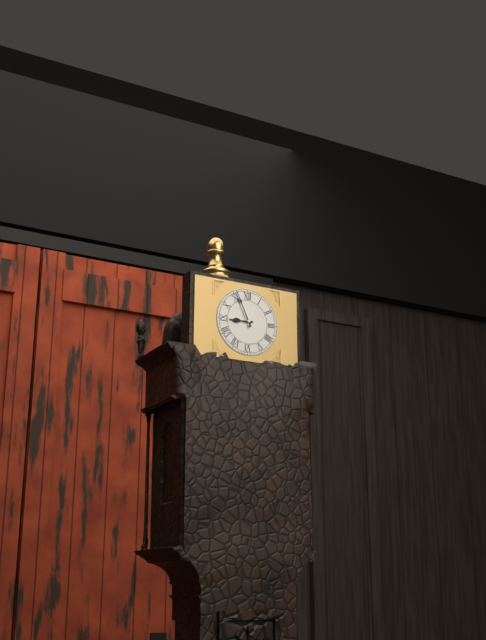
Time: **8:56**
